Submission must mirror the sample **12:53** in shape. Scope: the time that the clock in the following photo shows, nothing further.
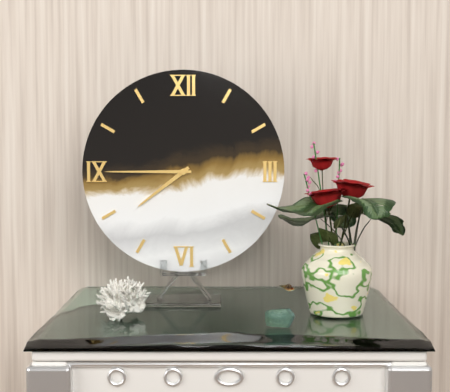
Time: **7:45**
